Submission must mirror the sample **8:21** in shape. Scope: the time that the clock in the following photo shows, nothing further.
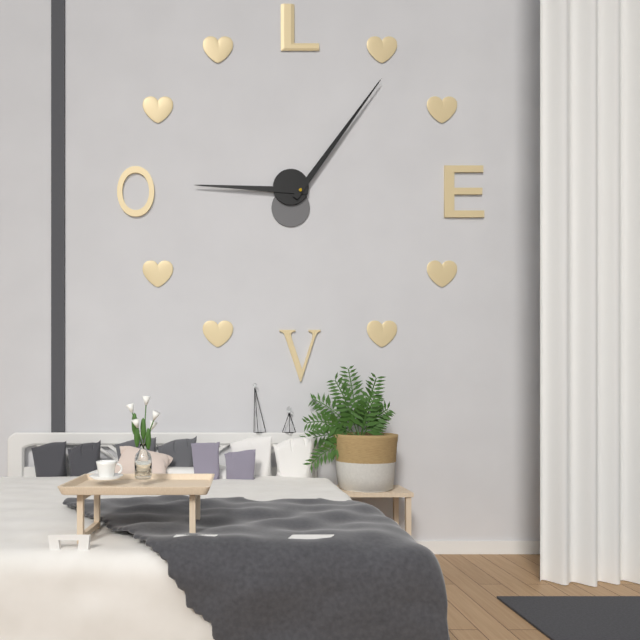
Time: **9:06**
